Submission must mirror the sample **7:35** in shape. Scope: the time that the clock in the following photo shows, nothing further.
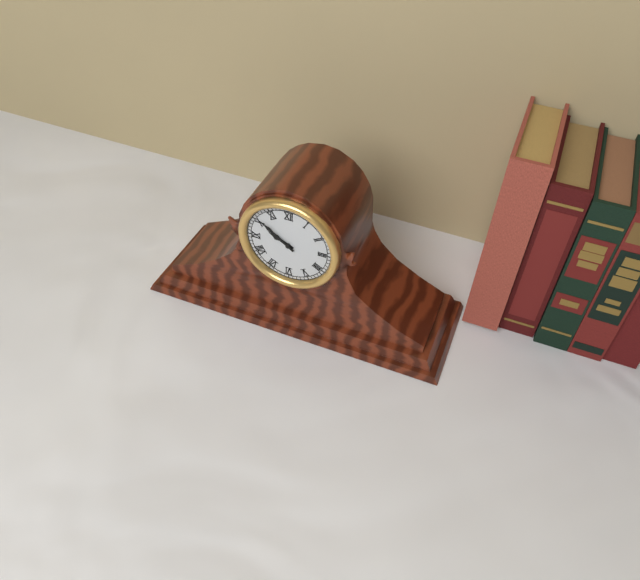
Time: **9:51**
